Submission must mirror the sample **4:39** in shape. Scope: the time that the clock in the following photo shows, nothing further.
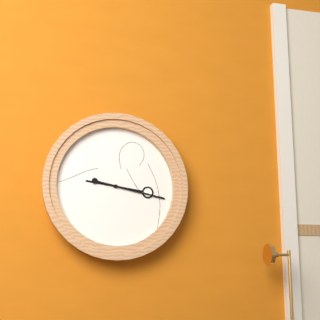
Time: **9:17**
